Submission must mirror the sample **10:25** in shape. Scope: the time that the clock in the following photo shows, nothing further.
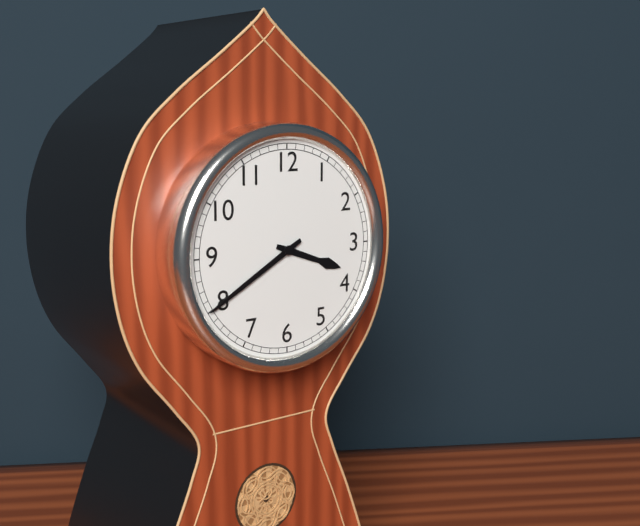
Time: **3:40**
